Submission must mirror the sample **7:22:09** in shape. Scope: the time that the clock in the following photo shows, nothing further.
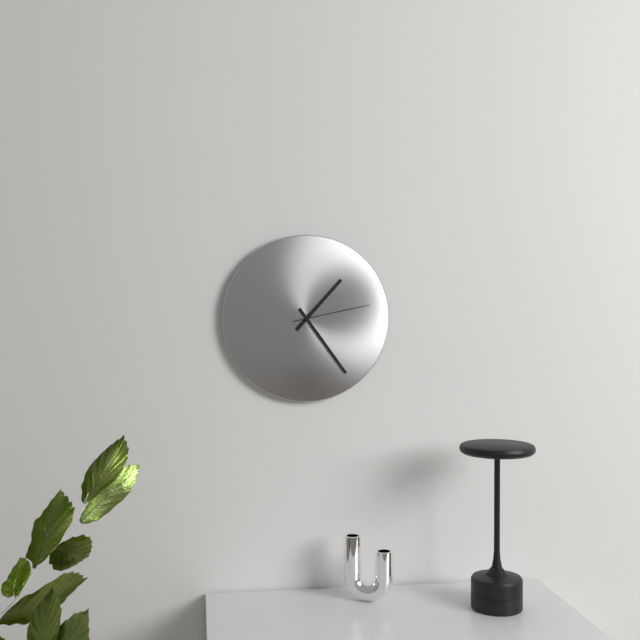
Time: **1:24:13**
